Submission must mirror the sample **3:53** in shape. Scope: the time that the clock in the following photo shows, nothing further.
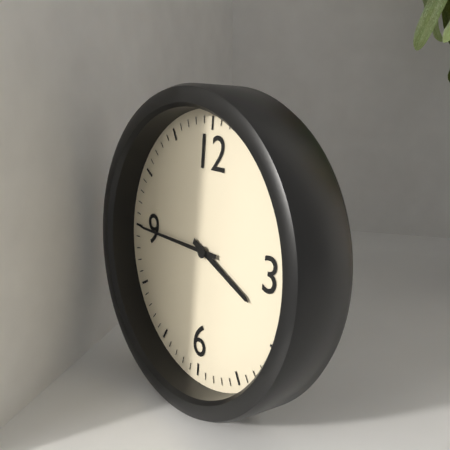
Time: **3:45**
